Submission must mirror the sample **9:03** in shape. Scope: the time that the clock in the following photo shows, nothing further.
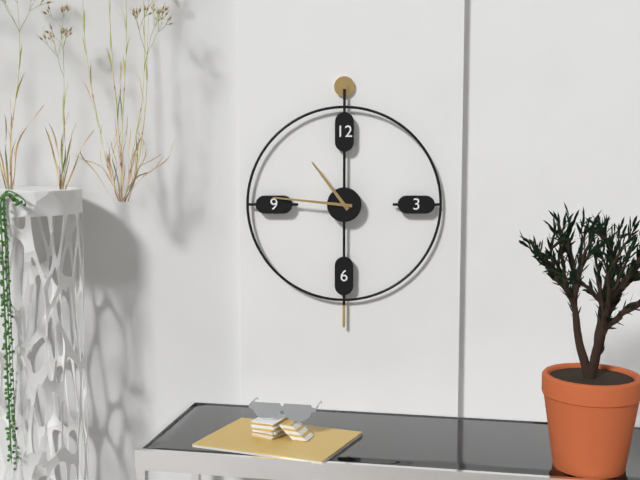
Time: **10:46**
